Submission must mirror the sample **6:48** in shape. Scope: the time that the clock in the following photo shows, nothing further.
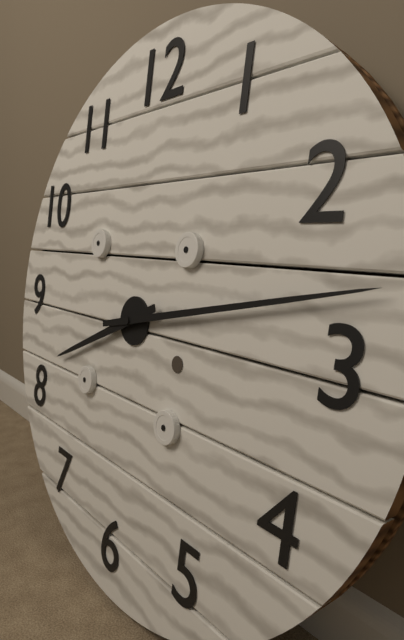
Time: **8:13**
